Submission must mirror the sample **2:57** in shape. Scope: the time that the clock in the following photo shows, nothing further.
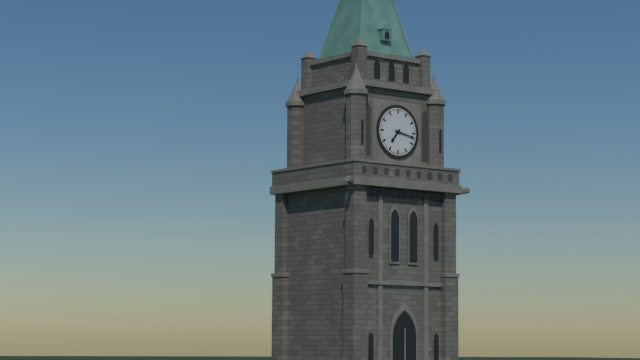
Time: **7:17**
